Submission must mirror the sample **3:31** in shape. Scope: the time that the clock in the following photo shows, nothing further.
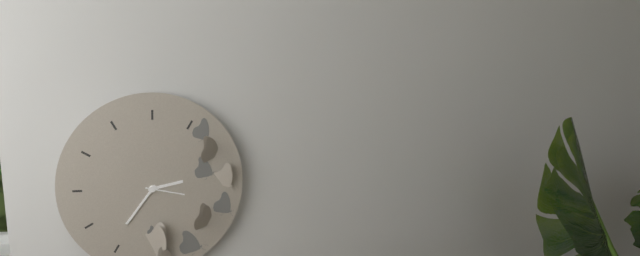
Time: **2:36**
